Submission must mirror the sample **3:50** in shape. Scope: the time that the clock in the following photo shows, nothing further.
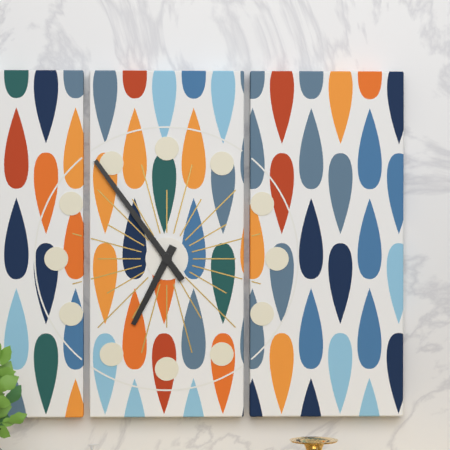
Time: **6:54**
